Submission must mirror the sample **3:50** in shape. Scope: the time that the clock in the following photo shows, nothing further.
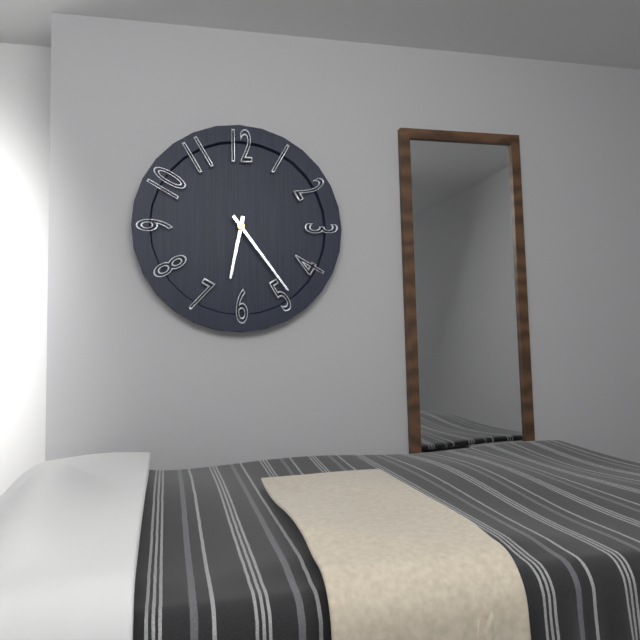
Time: **6:24**
